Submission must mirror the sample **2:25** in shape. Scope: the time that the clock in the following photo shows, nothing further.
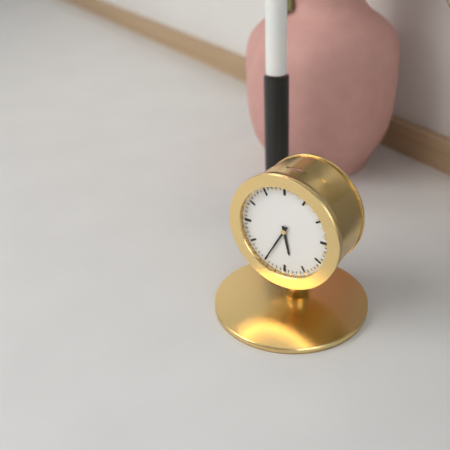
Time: **5:35**
